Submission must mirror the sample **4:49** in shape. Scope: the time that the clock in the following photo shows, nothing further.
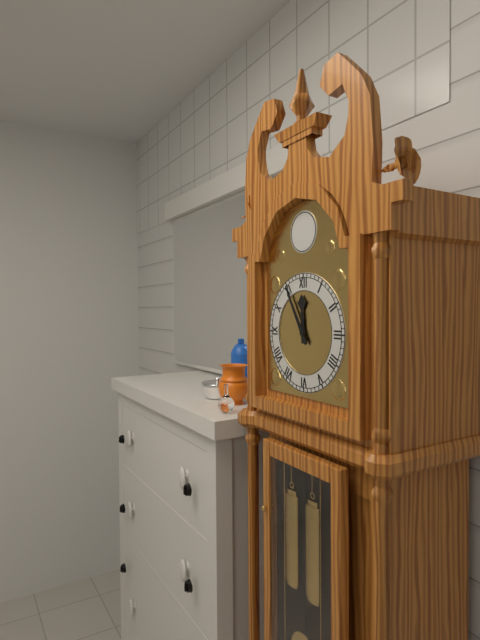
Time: **11:55**
